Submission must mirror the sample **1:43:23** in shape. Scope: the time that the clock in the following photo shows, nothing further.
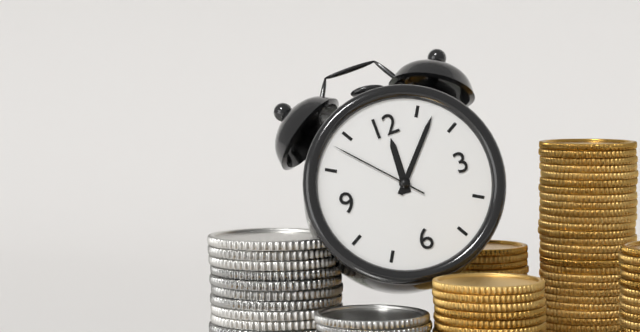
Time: **12:07:53**
